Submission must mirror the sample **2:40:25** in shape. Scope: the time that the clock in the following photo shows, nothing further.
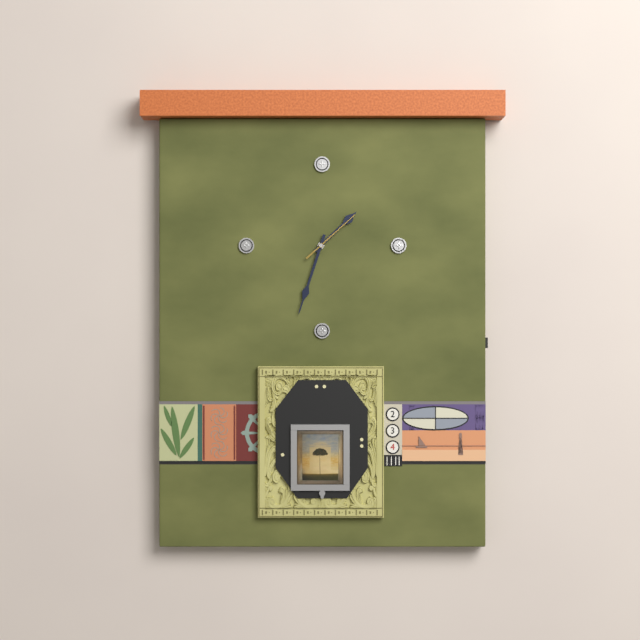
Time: **1:33:08**
